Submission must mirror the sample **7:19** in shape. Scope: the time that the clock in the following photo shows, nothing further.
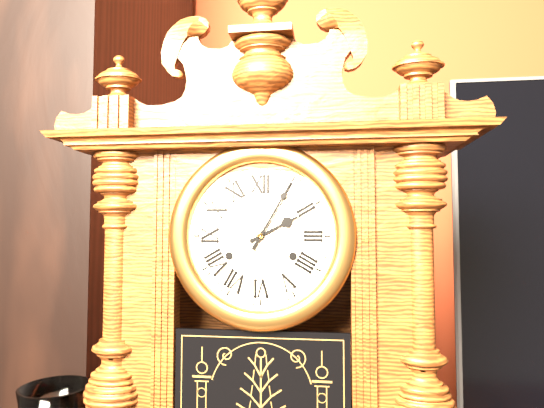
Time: **2:05**
